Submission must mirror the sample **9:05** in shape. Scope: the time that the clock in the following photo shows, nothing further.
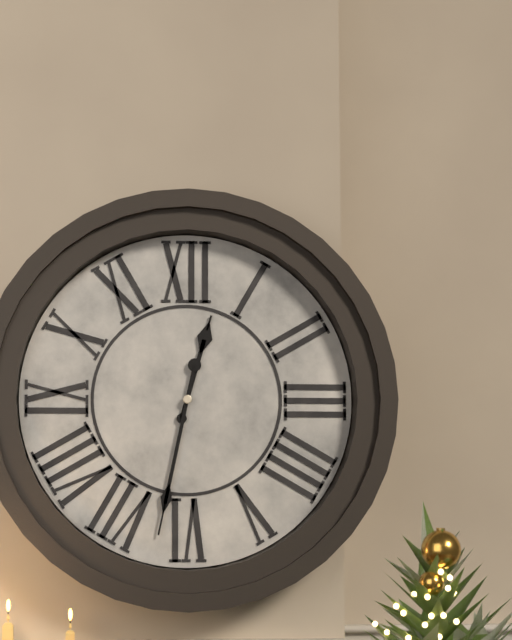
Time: **12:32**
